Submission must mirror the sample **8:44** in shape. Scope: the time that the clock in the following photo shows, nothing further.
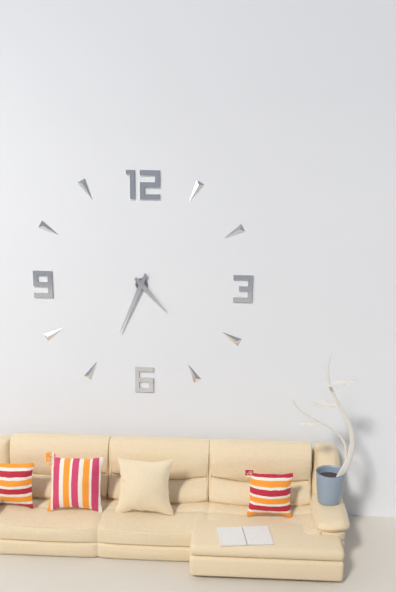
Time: **4:34**
